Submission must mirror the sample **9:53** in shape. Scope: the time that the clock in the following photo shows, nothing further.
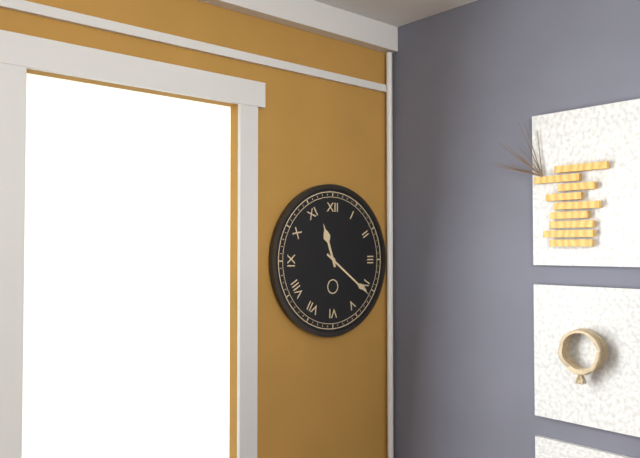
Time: **11:21**
